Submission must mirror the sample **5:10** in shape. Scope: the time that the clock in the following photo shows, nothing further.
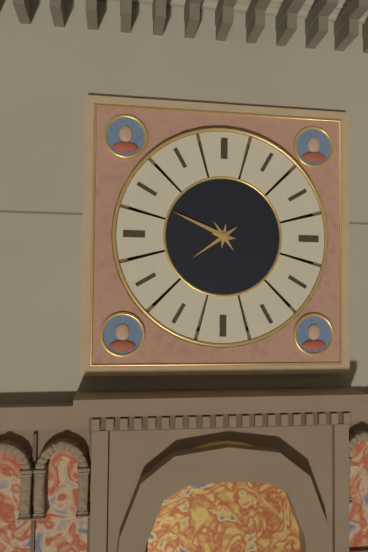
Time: **7:49**
